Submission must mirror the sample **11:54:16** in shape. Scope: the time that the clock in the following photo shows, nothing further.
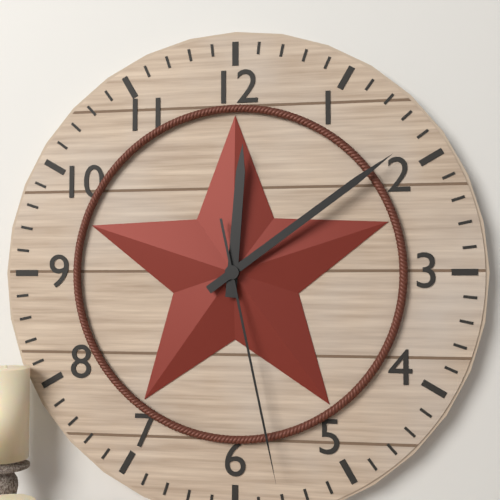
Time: **12:09:28**
